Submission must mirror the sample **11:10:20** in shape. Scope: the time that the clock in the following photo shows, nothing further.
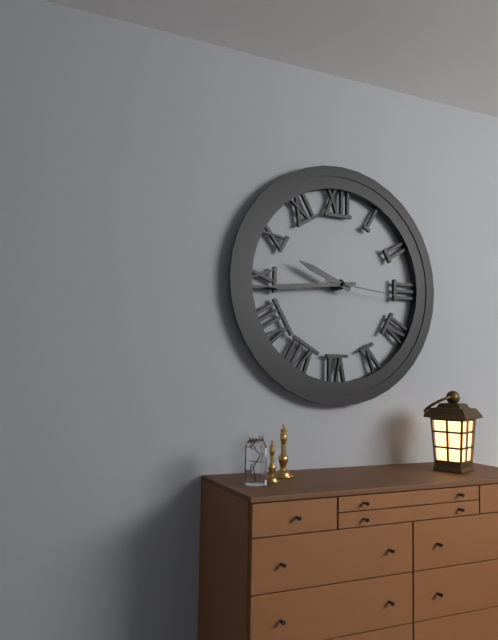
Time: **9:44:16**
